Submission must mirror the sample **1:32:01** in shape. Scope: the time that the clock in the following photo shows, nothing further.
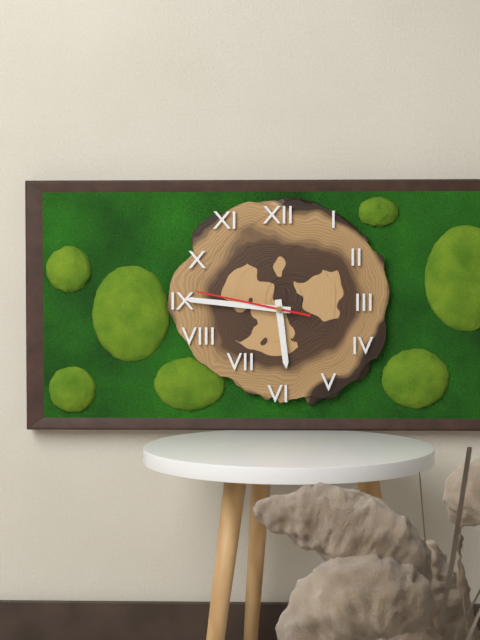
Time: **5:46:47**
